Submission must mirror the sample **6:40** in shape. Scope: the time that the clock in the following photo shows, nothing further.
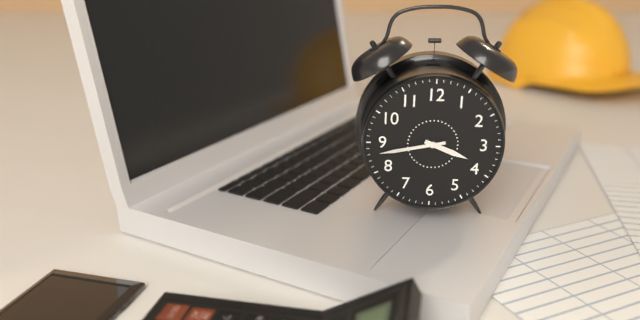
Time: **3:43**
